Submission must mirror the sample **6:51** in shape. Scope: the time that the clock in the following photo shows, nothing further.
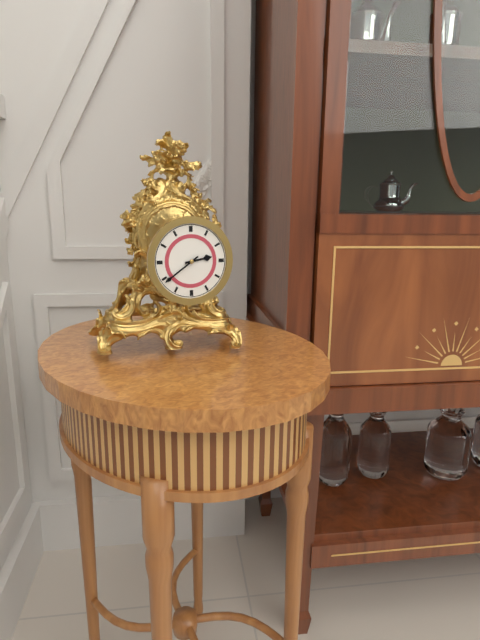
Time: **2:39**
